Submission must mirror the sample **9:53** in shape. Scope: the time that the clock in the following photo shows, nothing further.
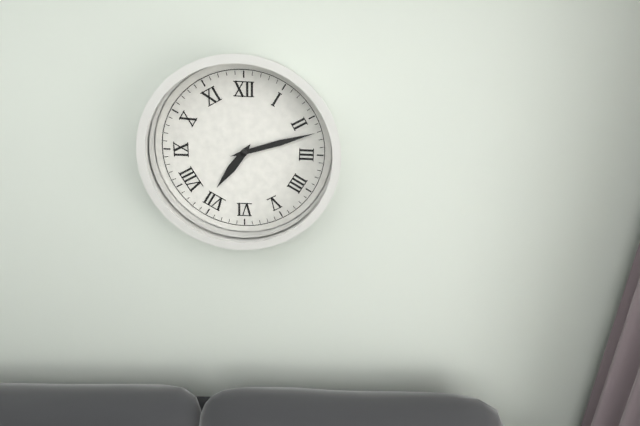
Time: **7:12**
